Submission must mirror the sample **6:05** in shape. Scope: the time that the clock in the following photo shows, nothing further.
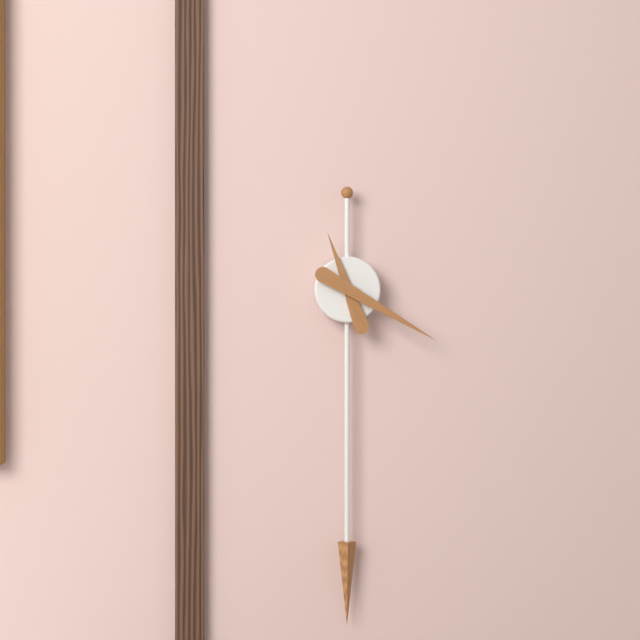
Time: **11:20**
